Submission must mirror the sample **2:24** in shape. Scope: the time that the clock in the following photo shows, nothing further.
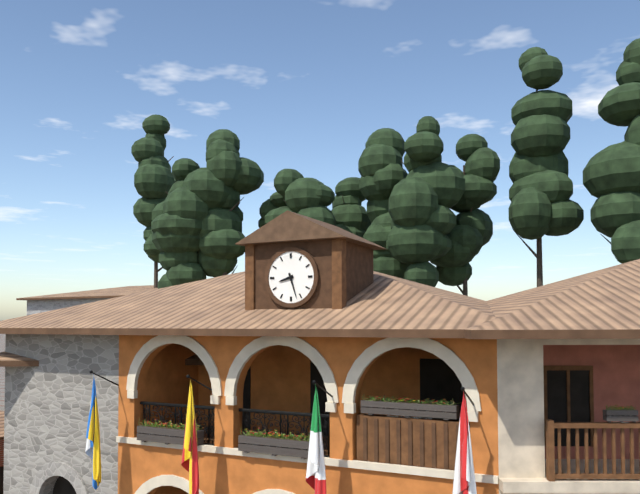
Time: **8:27**
